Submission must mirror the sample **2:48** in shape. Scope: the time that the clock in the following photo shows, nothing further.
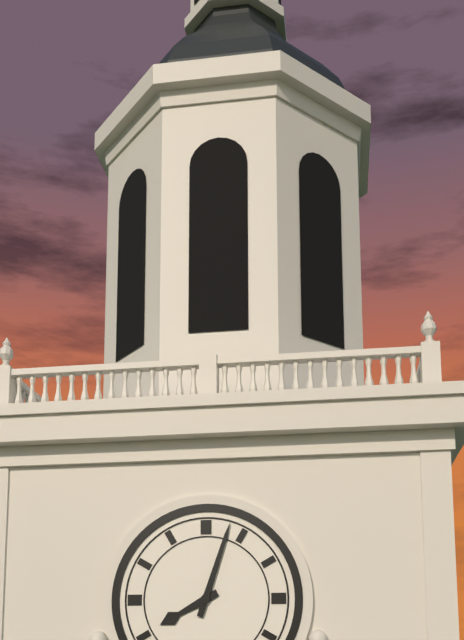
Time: **8:03**
